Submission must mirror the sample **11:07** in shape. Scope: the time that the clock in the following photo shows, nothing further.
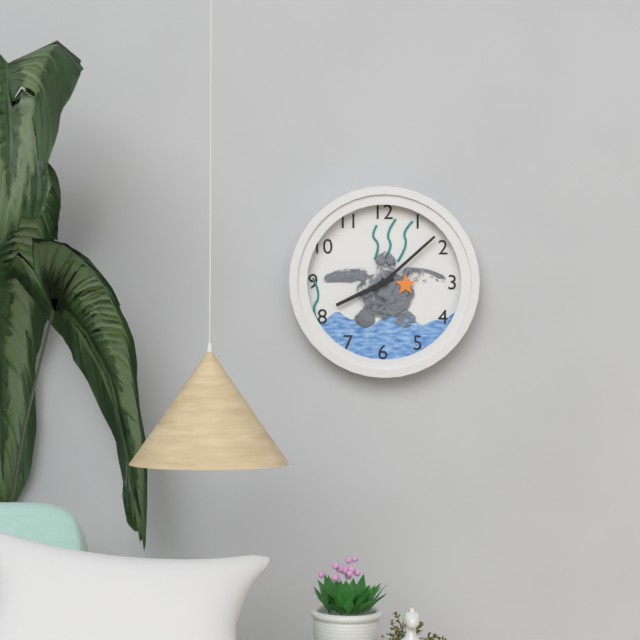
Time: **8:08**
